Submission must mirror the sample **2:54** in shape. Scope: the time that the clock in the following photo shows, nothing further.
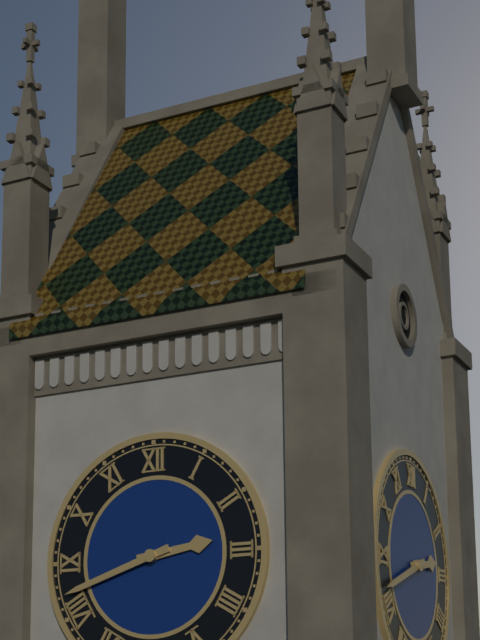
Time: **2:42**
